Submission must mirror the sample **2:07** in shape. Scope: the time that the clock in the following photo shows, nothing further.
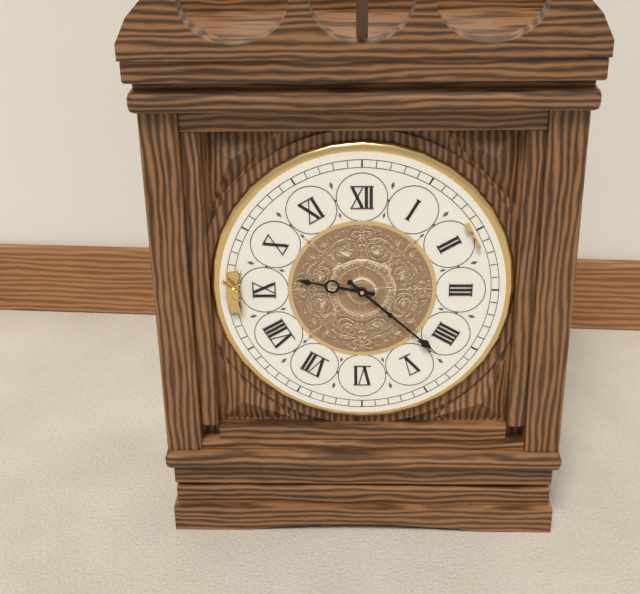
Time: **9:22**
